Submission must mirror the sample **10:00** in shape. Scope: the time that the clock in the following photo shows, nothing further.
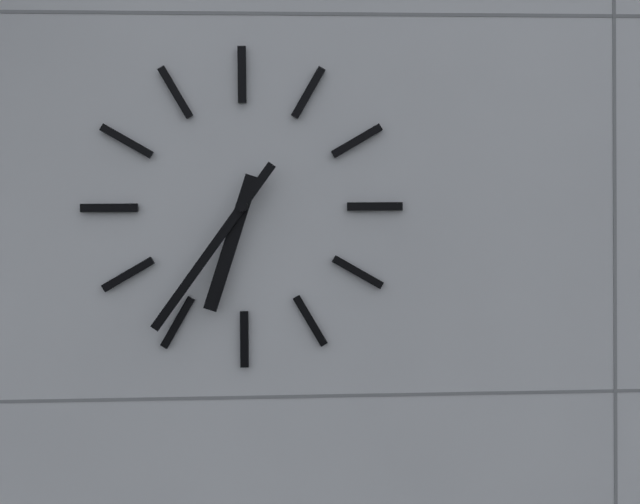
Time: **6:36**
